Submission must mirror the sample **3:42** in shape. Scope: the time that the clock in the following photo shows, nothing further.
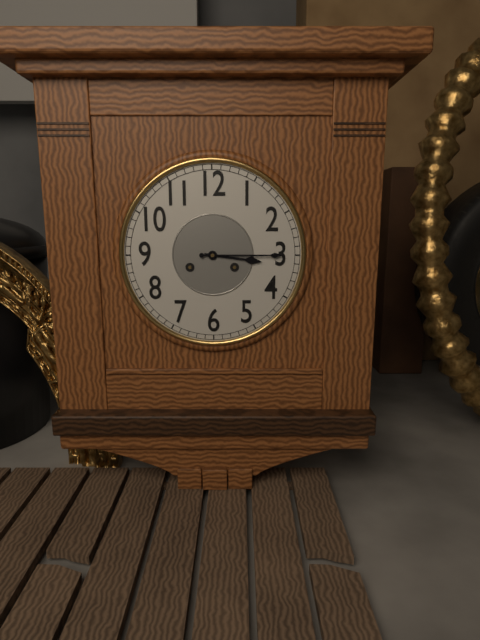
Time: **3:15**
